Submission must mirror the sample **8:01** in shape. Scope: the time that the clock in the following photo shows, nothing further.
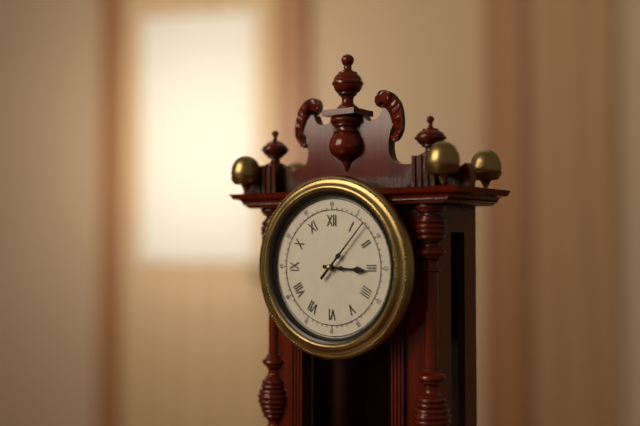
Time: **3:07**
